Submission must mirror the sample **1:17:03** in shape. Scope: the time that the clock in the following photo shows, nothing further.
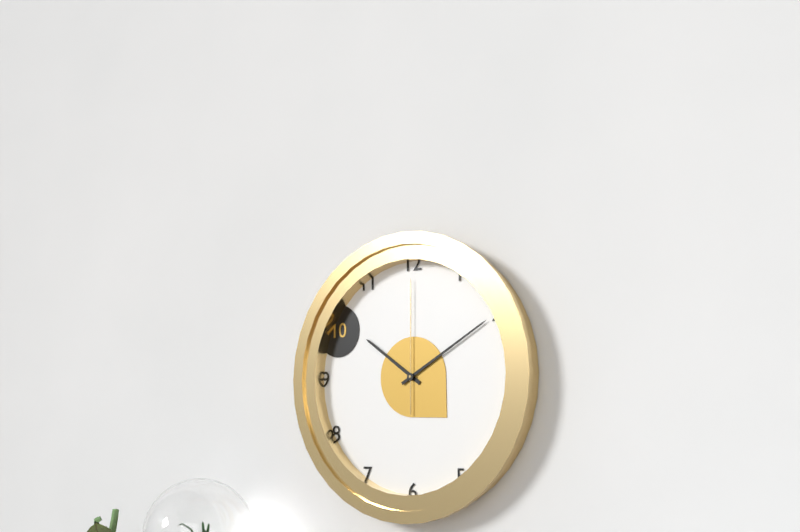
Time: **10:10:00**
